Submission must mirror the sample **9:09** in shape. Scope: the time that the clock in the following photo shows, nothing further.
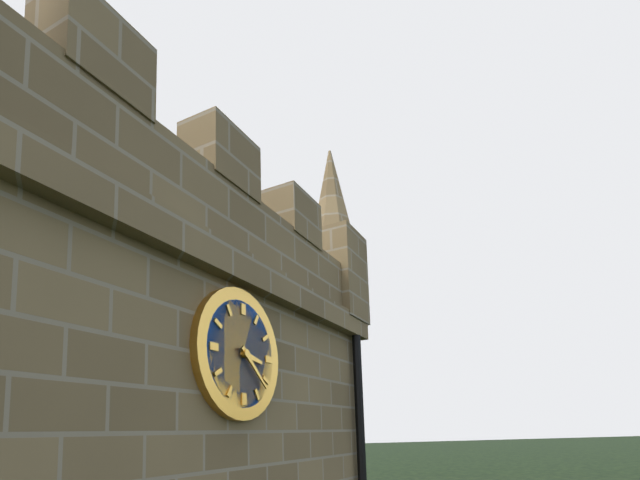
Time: **3:22**
